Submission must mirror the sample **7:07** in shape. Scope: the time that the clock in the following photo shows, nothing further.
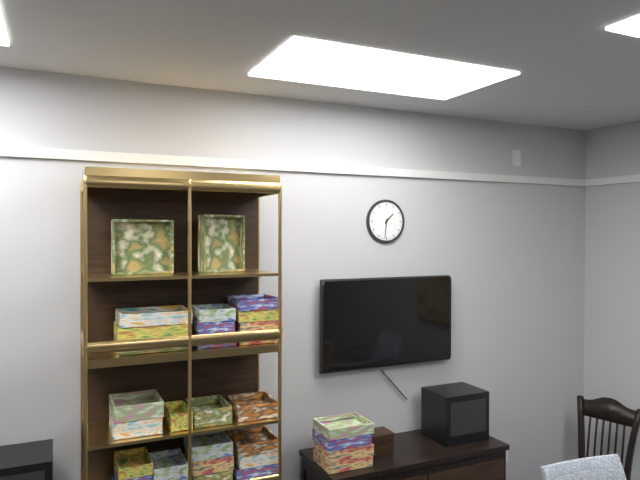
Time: **1:31**
